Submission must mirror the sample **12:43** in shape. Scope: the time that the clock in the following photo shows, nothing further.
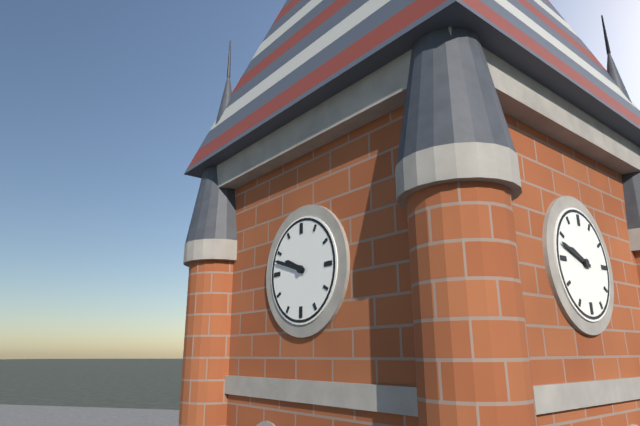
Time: **9:48**
